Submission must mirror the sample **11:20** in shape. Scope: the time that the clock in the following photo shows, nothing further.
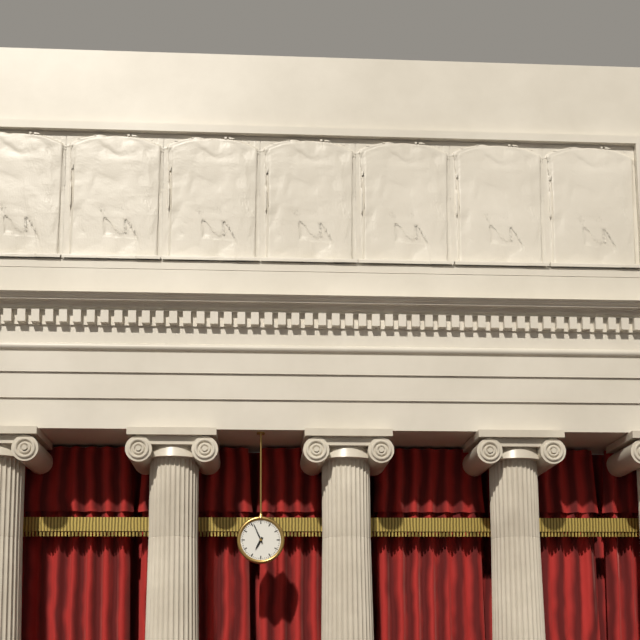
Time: **6:56**
